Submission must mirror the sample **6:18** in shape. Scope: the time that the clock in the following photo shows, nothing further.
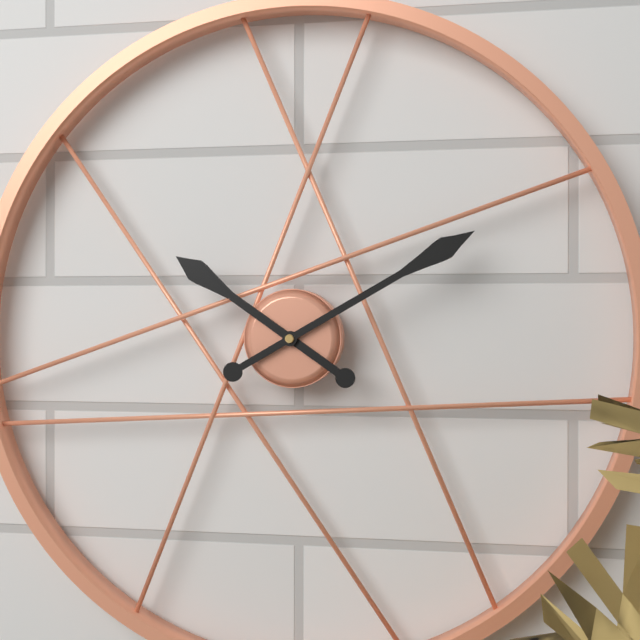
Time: **10:10**
